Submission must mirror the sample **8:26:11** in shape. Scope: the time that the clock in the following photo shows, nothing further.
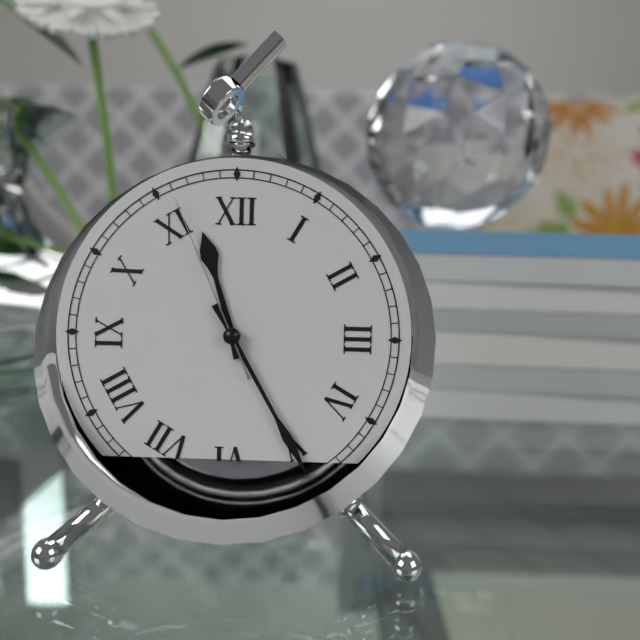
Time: **11:25:56**
